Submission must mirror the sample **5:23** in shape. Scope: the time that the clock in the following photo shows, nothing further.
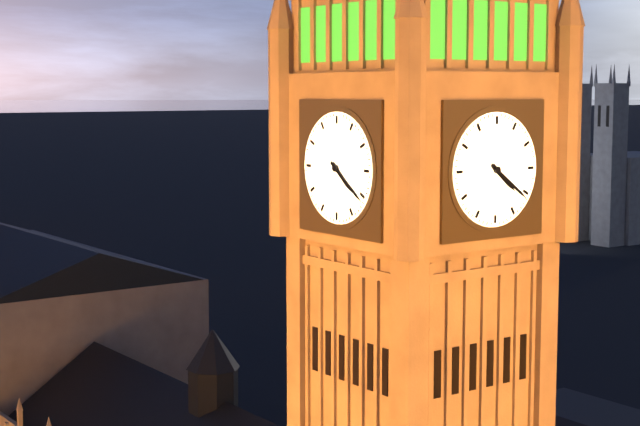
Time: **4:21**
